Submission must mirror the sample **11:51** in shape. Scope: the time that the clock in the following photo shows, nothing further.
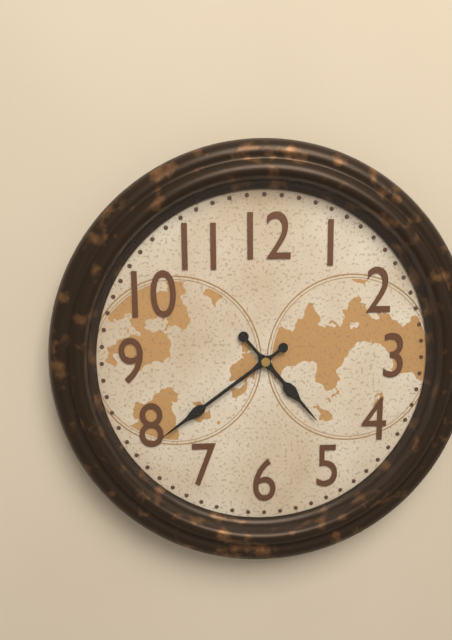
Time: **4:39**
